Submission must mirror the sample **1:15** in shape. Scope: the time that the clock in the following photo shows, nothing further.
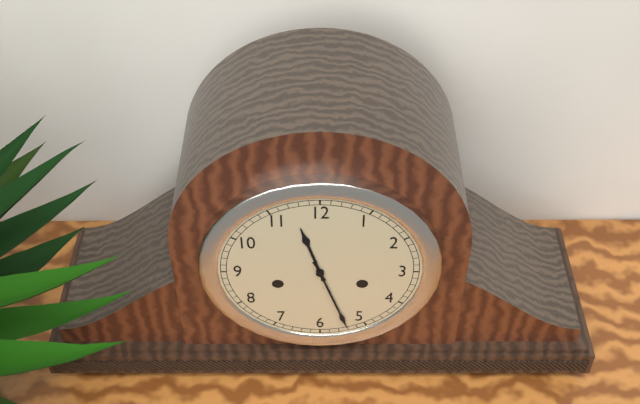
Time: **11:27**
